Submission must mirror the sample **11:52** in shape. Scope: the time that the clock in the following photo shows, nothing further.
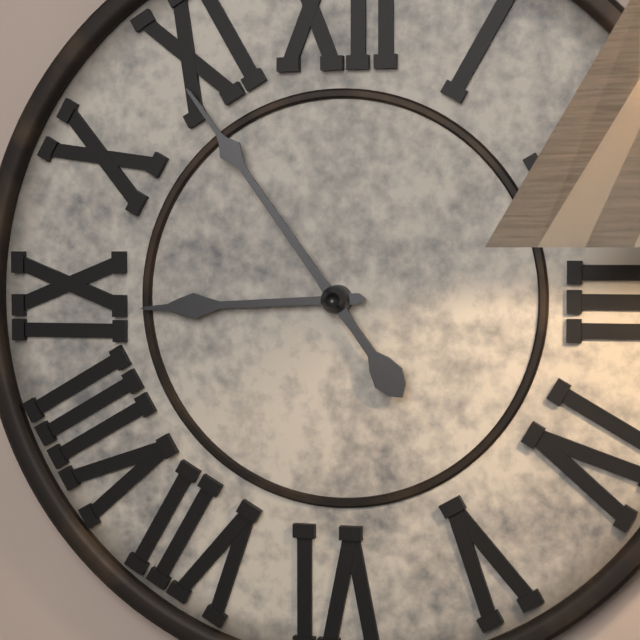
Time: **8:54**
